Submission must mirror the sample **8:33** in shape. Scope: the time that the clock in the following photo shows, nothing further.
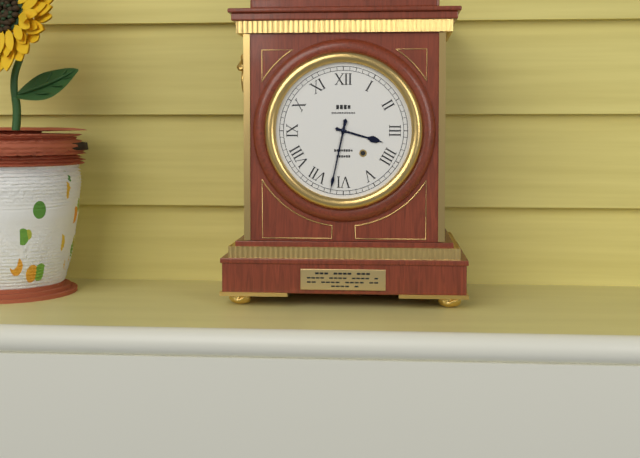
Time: **3:32**
